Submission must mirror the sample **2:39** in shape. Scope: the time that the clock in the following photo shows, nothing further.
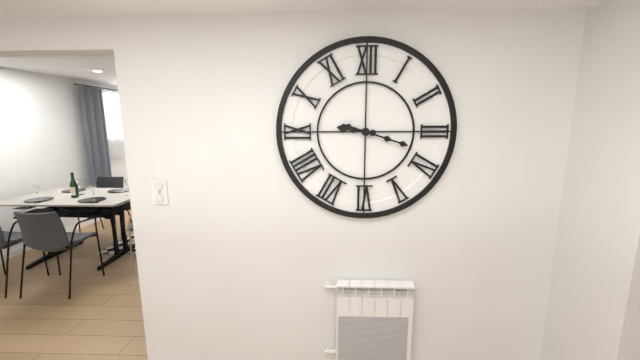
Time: **9:18**
